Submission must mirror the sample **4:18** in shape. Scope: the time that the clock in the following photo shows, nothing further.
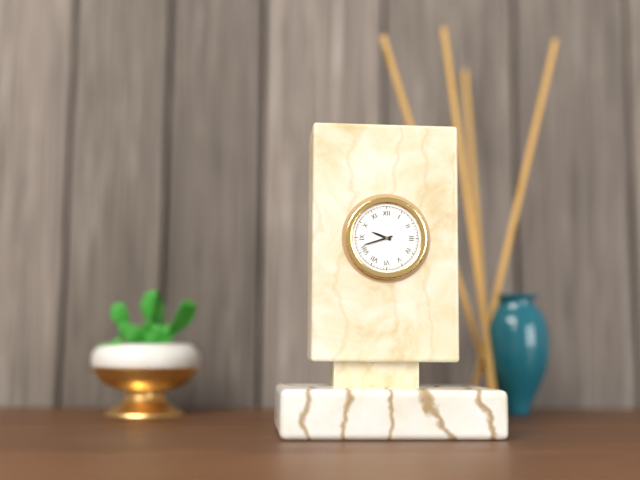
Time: **9:42**
